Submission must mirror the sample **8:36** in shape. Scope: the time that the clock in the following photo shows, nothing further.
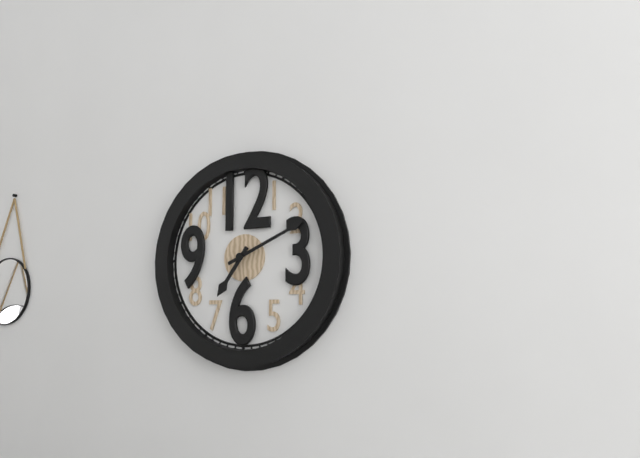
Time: **7:11**
